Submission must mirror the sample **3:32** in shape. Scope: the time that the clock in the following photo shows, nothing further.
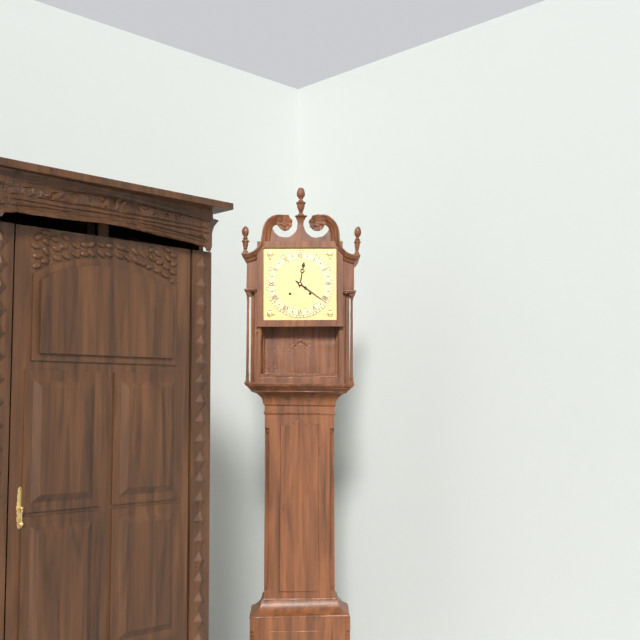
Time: **12:21**
